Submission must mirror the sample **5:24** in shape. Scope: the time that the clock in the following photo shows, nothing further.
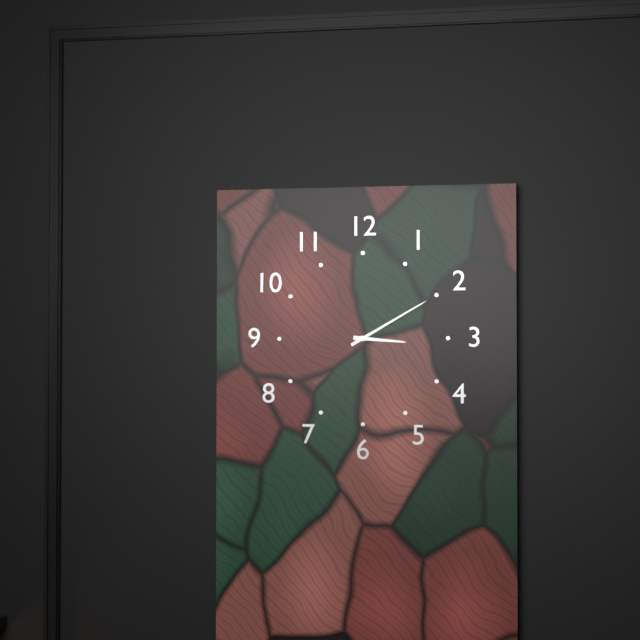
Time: **3:10**
